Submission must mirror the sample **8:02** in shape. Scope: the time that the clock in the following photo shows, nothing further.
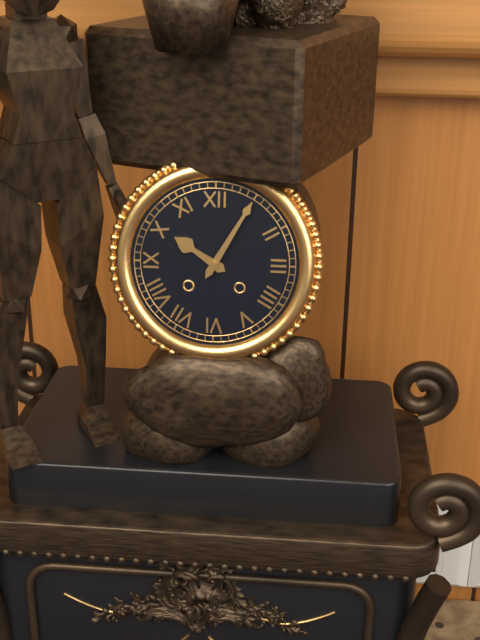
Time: **10:05**
